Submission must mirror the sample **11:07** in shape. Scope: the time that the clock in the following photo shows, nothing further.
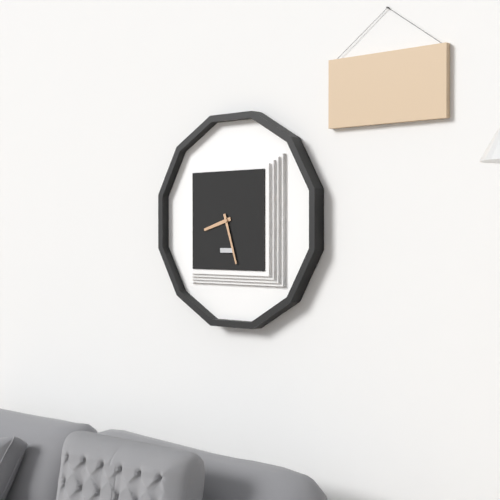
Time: **8:27**
